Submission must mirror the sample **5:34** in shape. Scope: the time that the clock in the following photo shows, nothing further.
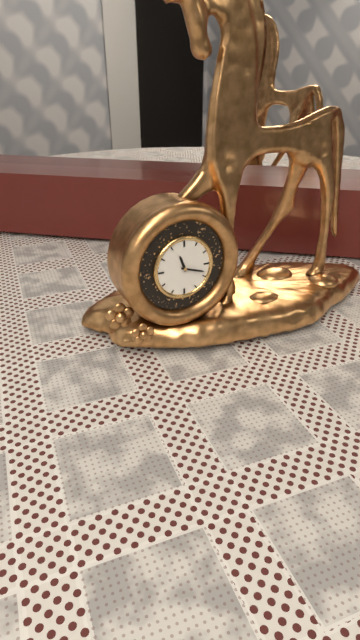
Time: **11:18**
